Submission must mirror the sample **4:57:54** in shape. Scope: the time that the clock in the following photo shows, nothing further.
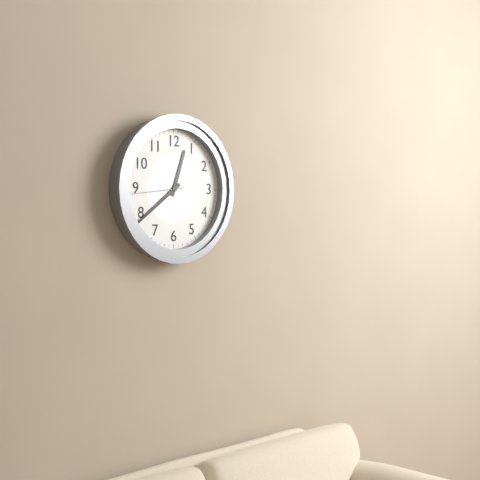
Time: **12:39:44**
